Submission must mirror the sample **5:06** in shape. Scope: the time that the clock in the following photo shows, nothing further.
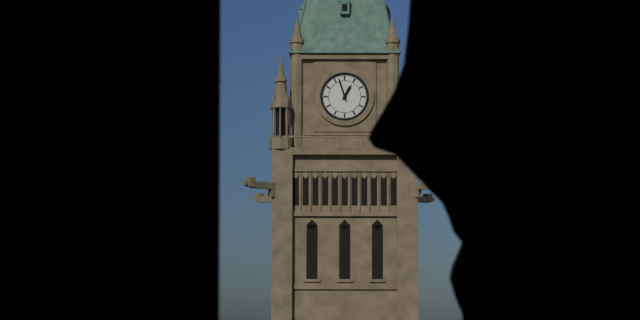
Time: **12:57**
